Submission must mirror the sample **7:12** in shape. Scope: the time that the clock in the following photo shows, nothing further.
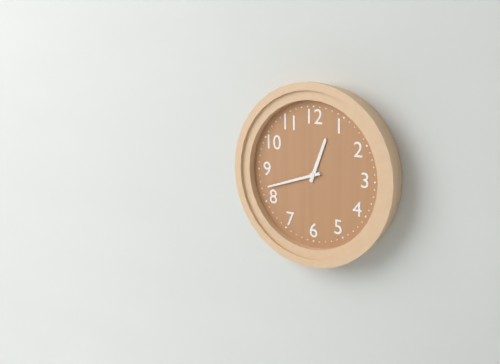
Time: **12:42**
